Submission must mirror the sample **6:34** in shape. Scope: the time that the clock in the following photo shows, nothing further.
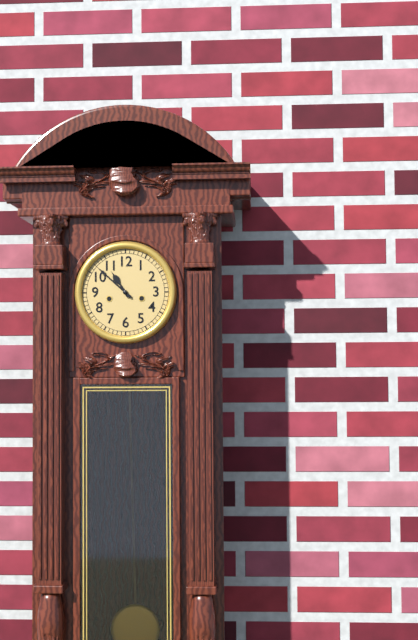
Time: **10:52**
